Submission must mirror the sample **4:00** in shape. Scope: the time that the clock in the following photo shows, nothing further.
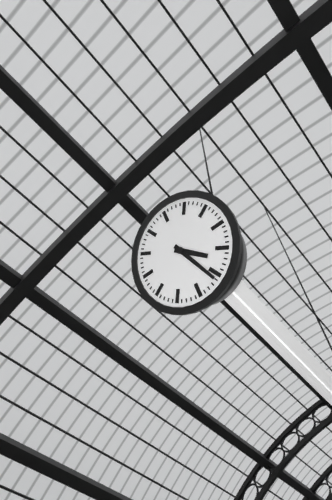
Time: **4:26**
